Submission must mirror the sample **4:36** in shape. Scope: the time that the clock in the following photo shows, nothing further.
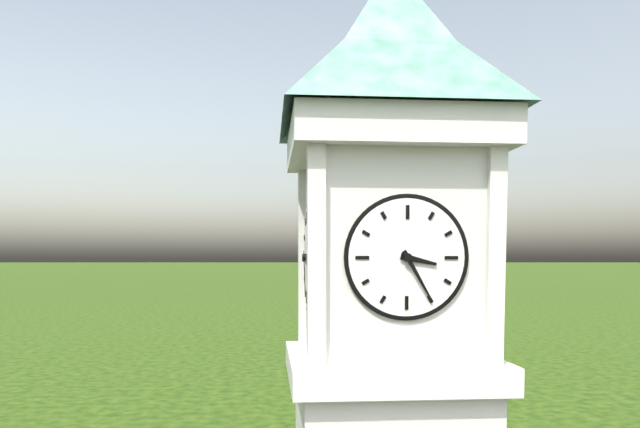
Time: **3:25**
